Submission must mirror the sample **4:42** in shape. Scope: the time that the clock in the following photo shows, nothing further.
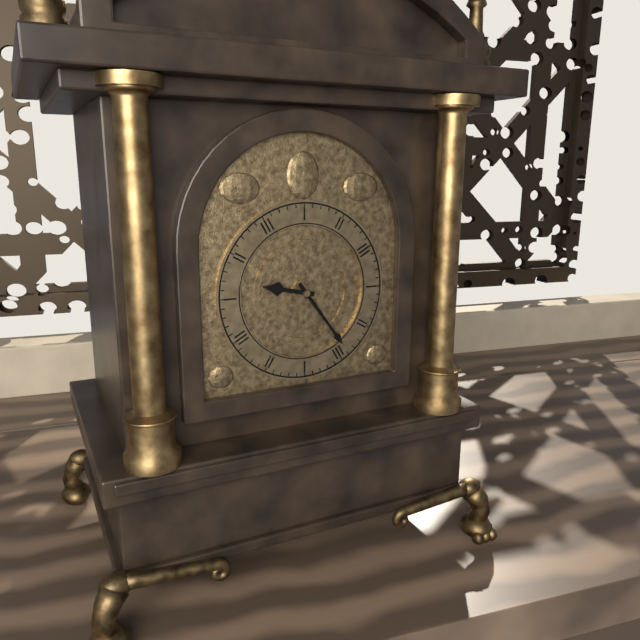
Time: **9:24**
